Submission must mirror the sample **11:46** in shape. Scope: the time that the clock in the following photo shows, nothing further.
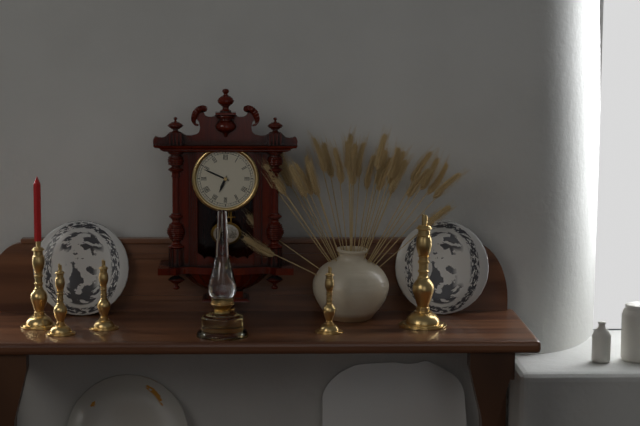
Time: **6:49**
